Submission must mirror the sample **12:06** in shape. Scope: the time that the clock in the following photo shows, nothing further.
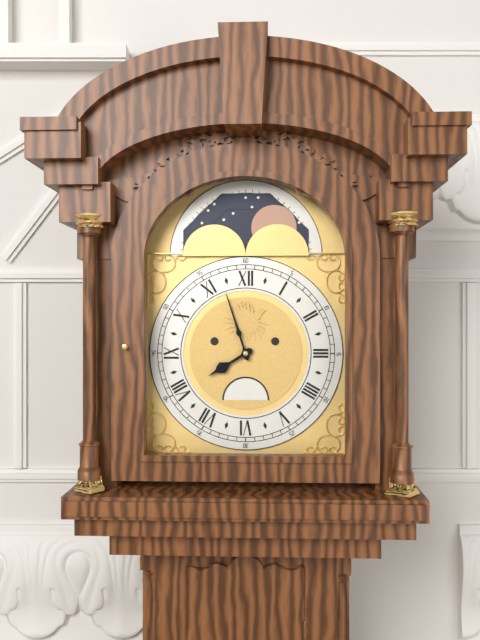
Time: **7:57**
